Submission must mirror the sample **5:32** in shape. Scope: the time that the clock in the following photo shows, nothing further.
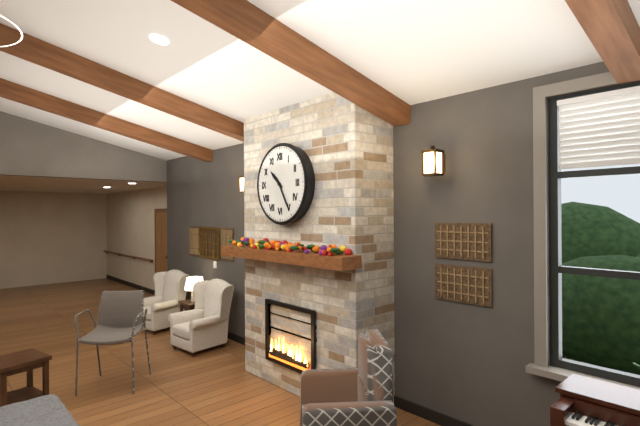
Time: **10:25**
